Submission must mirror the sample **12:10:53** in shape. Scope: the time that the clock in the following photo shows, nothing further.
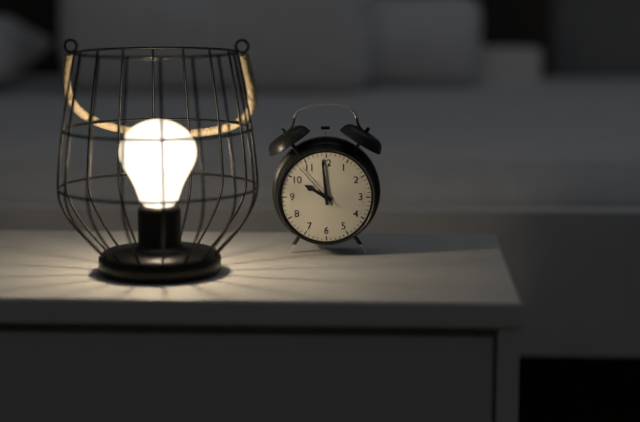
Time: **9:59:53**
